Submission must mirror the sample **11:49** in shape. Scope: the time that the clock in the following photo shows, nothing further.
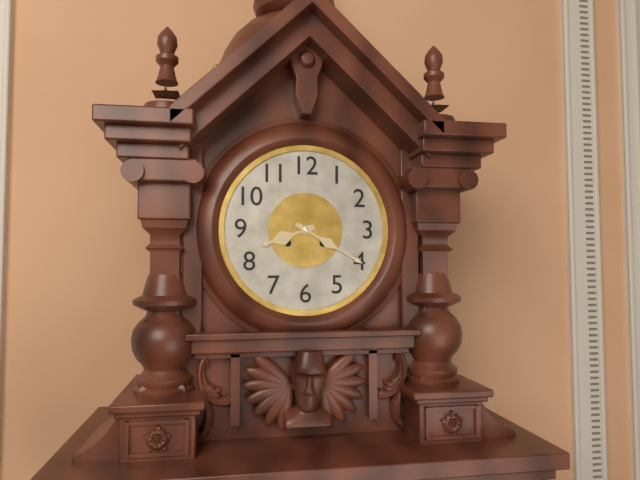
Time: **8:20**
